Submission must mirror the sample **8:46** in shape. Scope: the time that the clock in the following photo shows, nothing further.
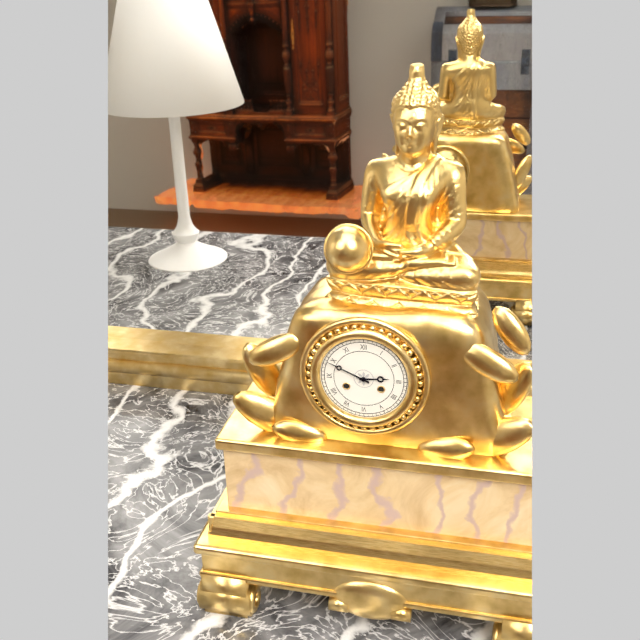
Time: **2:49**
